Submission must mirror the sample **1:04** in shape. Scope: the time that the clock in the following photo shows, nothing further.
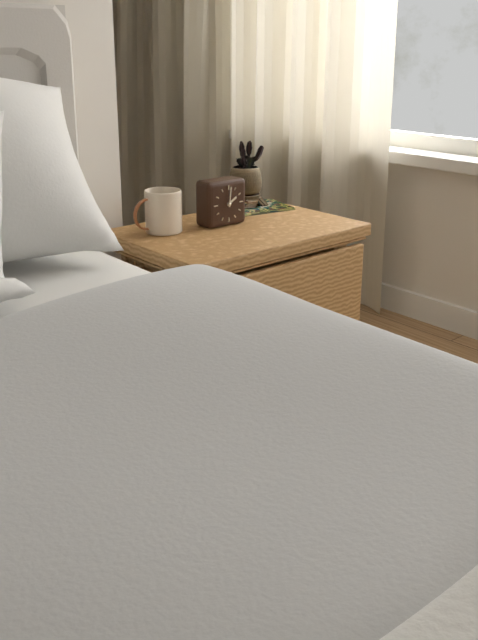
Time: **2:01**
